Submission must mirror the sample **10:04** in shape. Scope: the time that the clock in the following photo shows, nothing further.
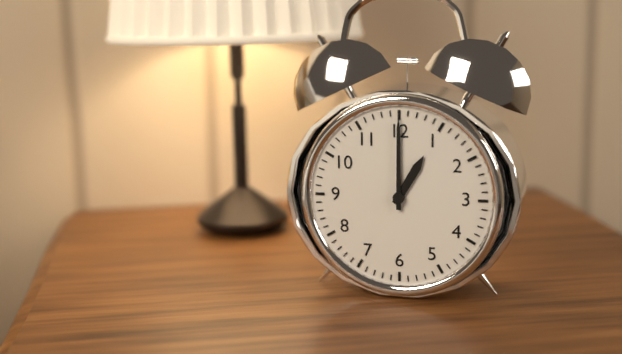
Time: **1:00**
